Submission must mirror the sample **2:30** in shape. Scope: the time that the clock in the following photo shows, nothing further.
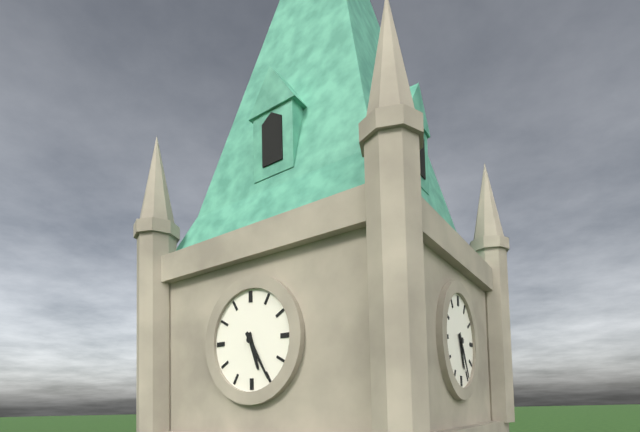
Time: **5:25**
